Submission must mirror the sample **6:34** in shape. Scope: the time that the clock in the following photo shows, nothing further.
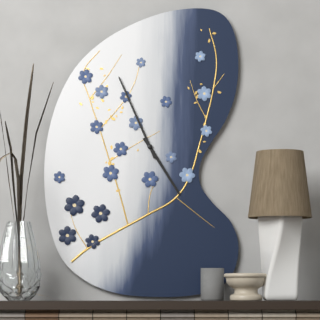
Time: **4:56**
